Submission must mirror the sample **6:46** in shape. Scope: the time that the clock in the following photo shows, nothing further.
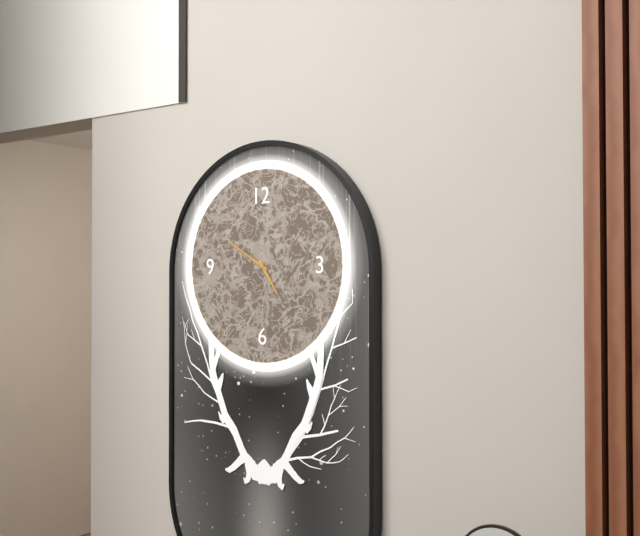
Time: **4:50**
